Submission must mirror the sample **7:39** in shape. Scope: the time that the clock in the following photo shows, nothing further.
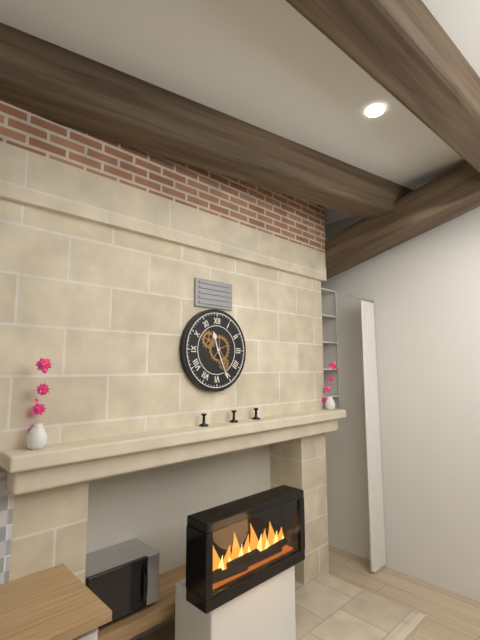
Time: **11:26**
